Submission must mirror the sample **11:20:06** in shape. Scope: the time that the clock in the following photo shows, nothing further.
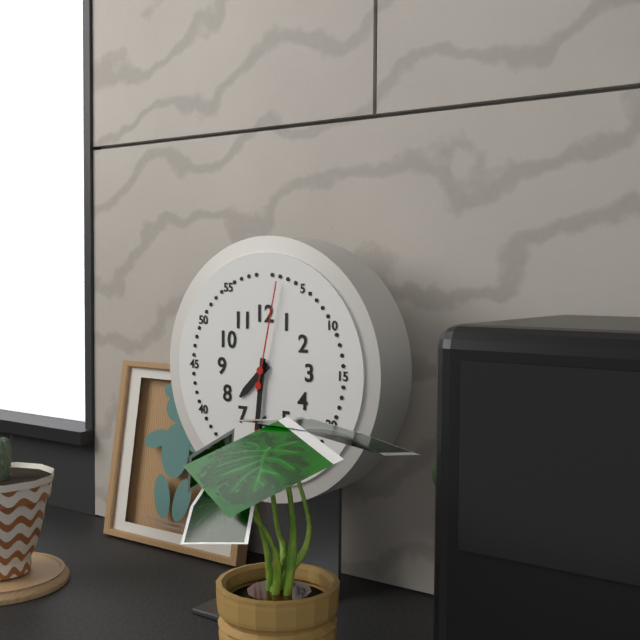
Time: **7:31:02**
